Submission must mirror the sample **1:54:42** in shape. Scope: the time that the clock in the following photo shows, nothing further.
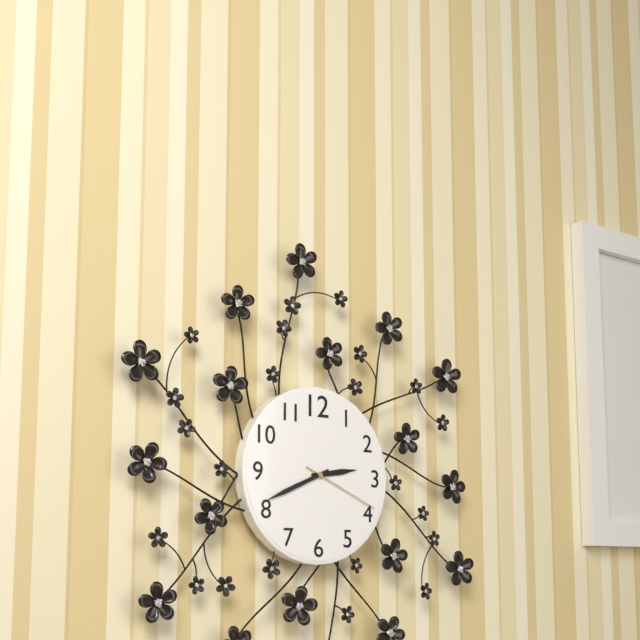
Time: **2:41:19**
